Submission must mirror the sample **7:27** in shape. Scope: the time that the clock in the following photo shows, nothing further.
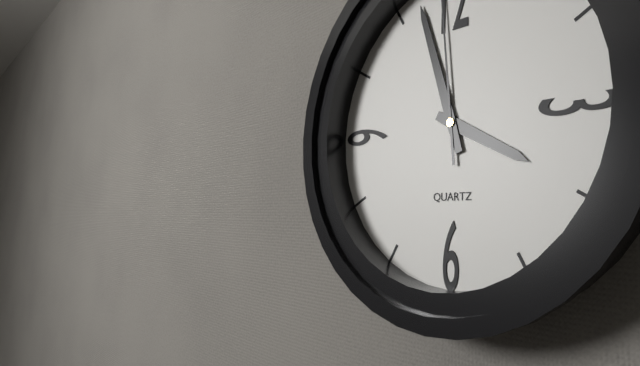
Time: **3:57**
